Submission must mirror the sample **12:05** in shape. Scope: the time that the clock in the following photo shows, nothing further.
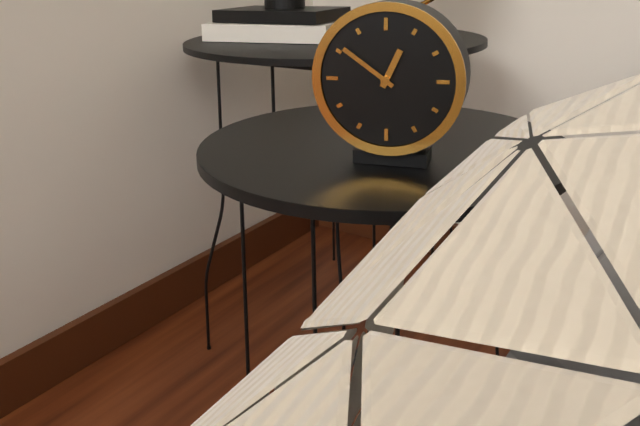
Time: **12:51**
